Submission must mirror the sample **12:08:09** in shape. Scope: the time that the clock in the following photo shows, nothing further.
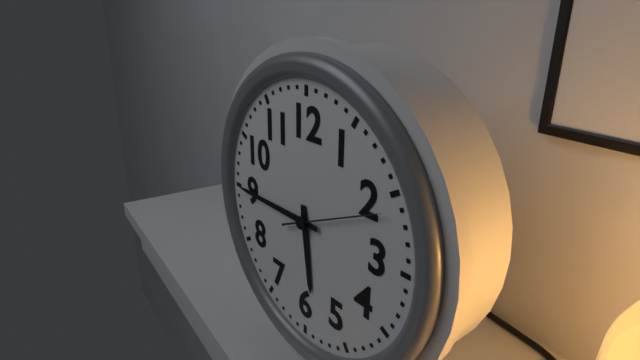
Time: **5:45:11**
